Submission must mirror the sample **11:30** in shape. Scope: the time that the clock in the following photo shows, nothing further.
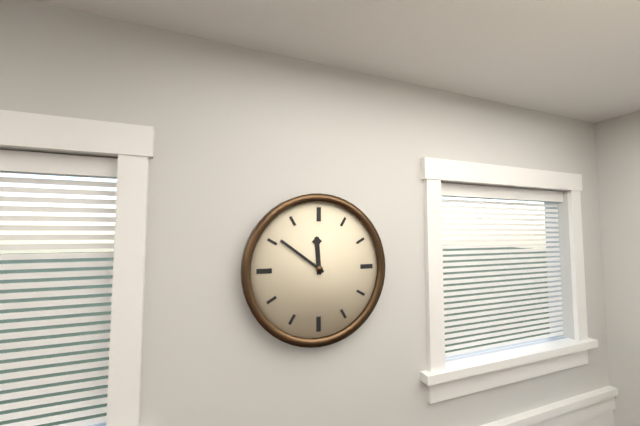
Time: **11:51**
